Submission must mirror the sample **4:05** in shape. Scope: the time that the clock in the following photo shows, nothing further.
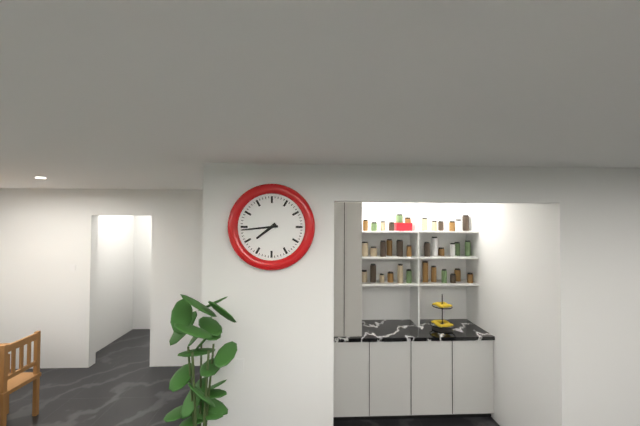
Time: **7:44**
